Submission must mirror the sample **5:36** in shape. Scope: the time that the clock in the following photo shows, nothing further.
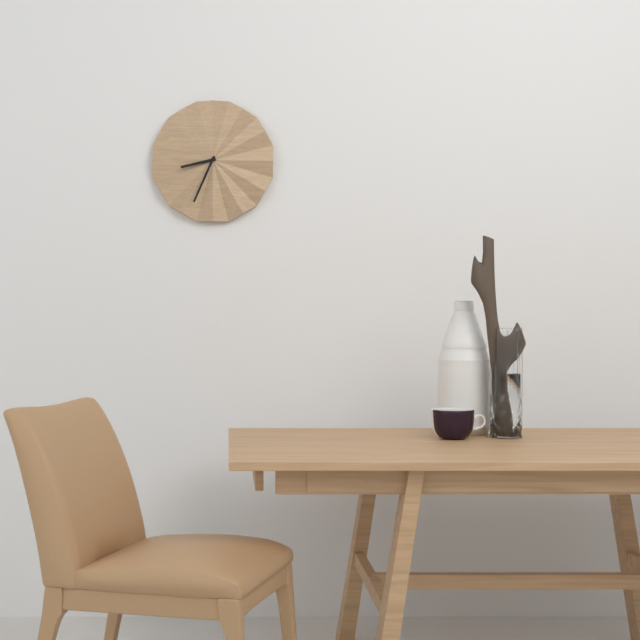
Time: **8:34**
